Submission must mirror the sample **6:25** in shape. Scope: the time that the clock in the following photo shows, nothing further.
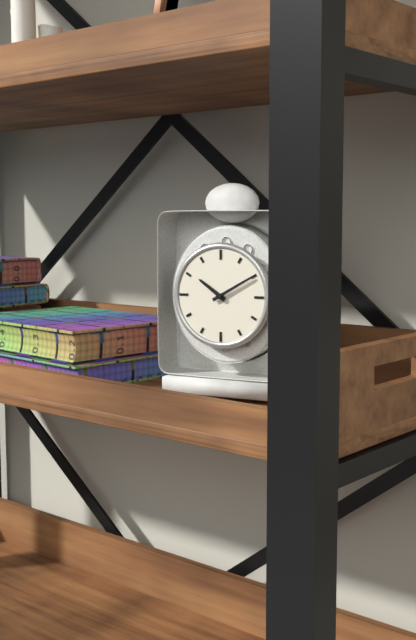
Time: **10:10**
